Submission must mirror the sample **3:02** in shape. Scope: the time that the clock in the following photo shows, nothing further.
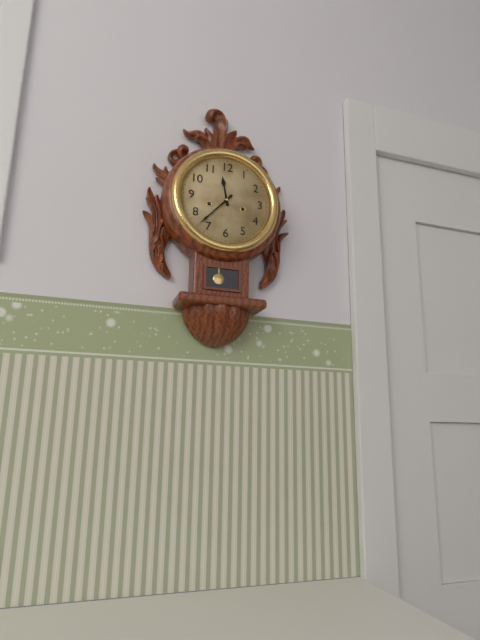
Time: **11:37**
